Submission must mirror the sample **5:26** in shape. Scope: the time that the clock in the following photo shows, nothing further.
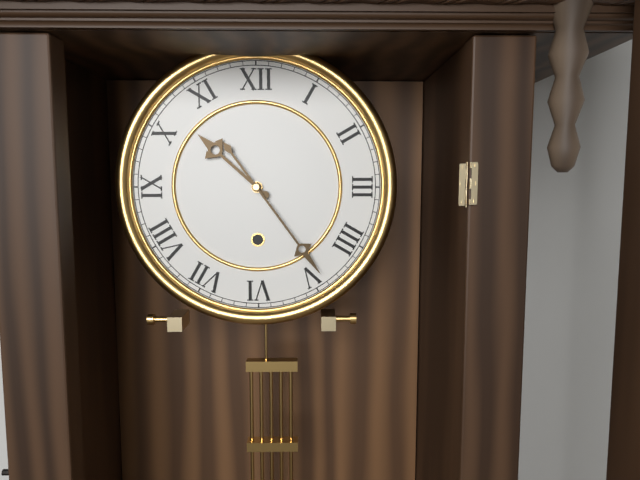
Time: **10:24**
